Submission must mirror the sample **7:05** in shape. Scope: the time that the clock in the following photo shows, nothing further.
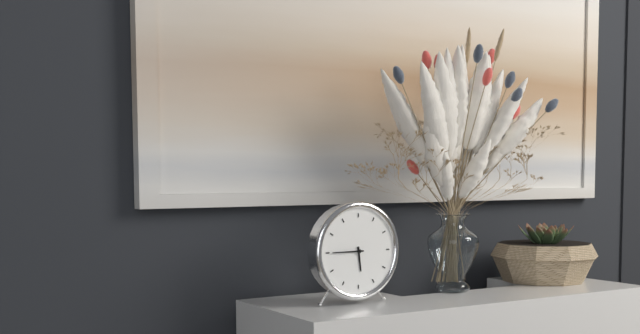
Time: **5:45**
